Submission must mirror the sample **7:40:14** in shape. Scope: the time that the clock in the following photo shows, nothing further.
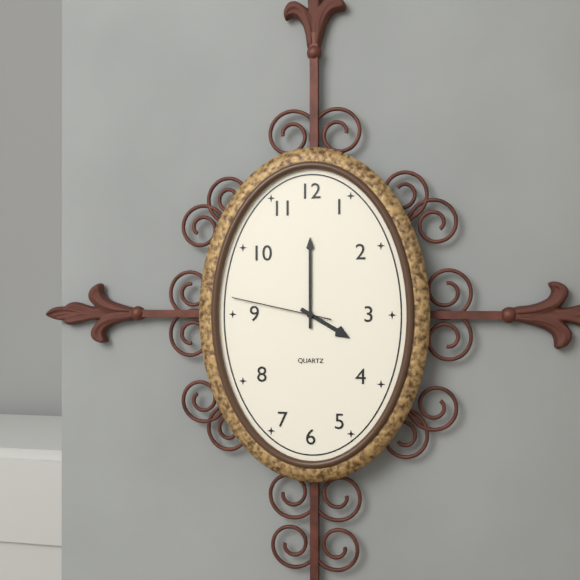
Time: **4:00:47**
